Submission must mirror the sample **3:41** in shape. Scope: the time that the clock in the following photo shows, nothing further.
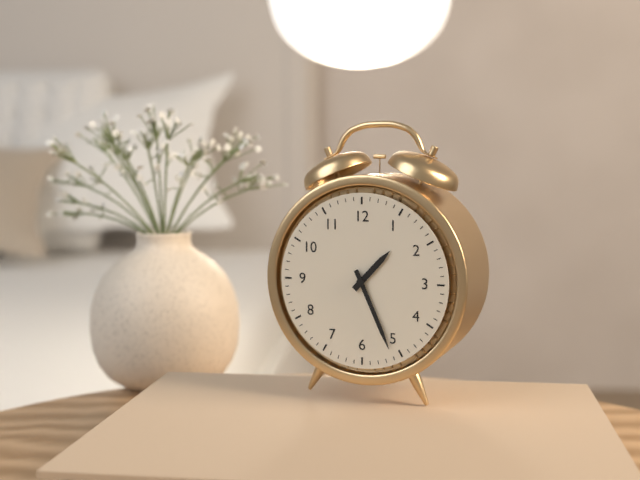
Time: **1:26**
